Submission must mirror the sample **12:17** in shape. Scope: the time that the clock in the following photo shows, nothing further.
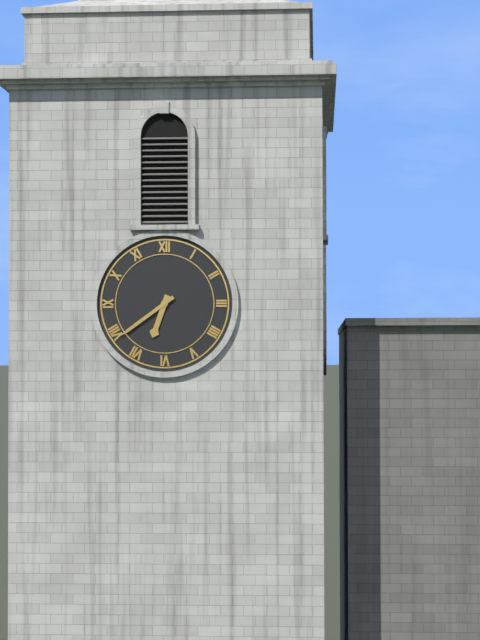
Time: **6:39**
